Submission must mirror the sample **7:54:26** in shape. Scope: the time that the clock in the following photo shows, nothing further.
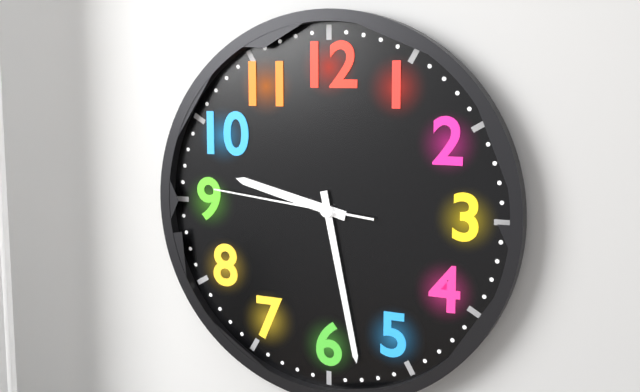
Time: **9:28:46**
